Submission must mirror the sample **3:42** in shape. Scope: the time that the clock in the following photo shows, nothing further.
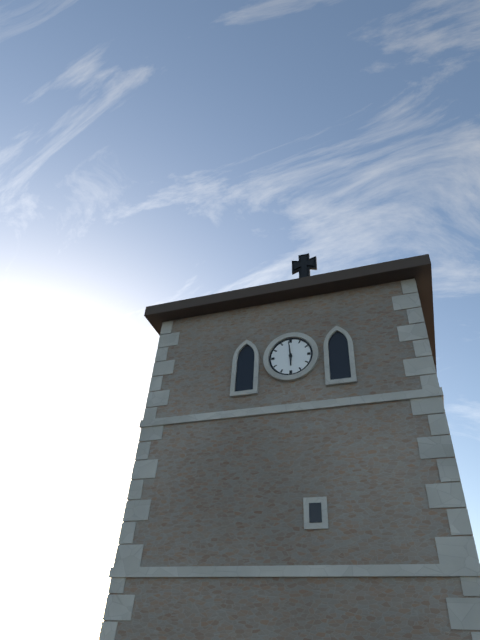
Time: **5:59**
